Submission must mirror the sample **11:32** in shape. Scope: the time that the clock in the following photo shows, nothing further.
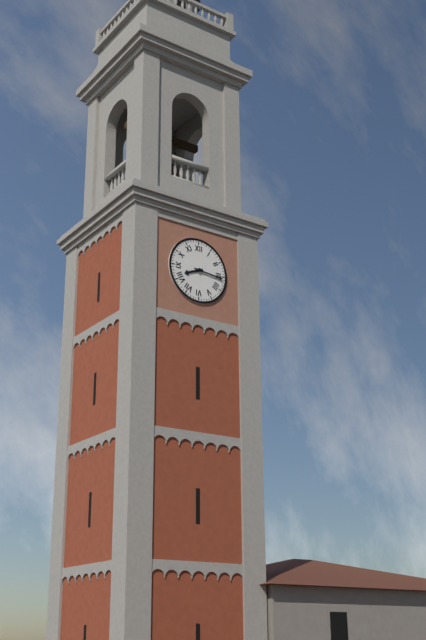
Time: **8:16**
